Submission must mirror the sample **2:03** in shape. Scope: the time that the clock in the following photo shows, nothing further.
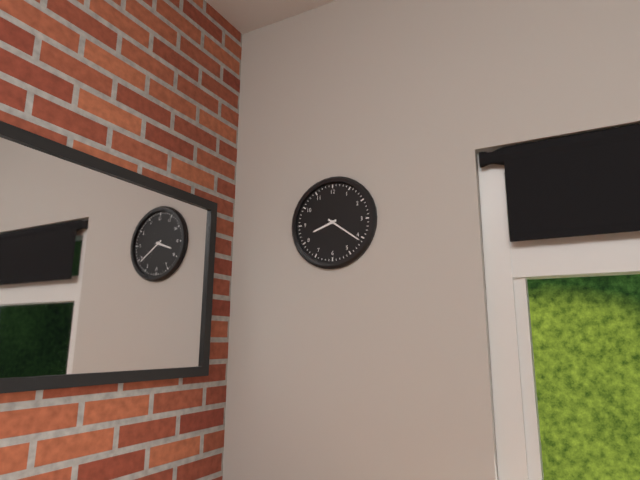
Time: **8:21**
